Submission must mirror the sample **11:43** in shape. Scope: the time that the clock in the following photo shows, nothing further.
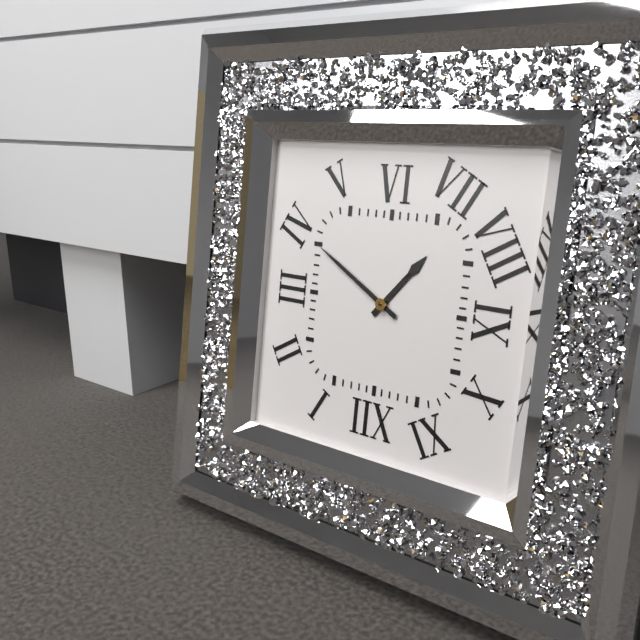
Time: **7:20**
